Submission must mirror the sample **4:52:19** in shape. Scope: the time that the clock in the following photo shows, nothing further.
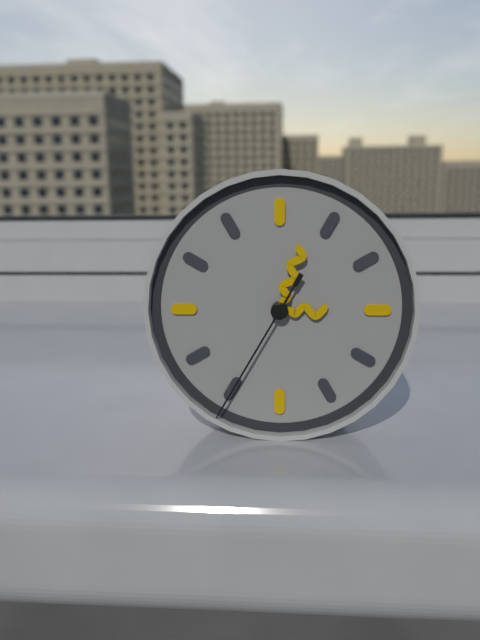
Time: **3:03:35**
